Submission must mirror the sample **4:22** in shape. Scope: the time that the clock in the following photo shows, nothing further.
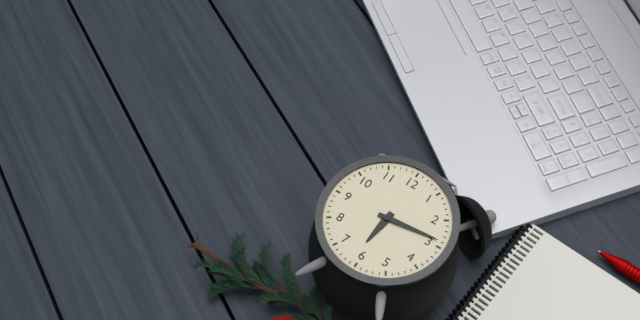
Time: **6:14**
